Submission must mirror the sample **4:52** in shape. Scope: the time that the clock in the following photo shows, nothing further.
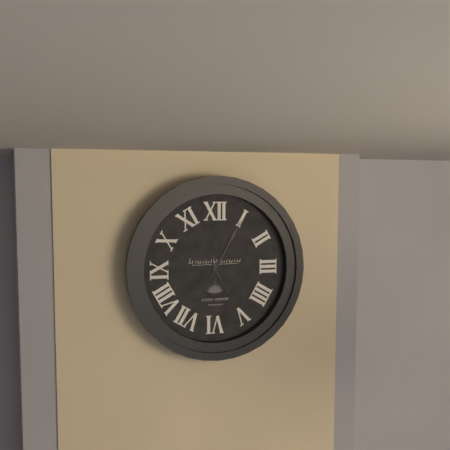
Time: **5:05**
